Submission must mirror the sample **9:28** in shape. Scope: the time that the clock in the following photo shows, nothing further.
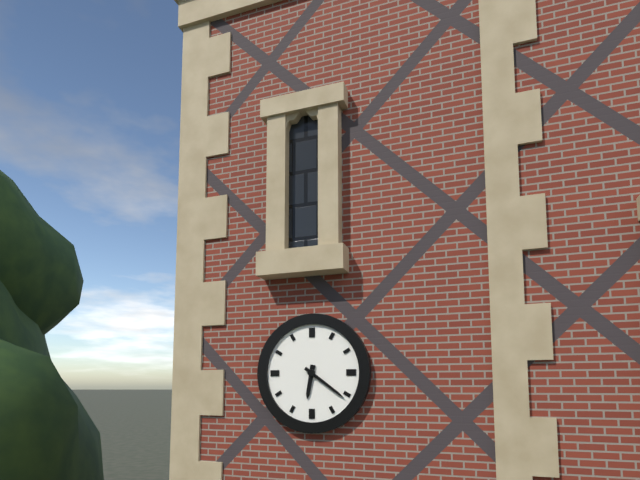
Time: **6:21**
